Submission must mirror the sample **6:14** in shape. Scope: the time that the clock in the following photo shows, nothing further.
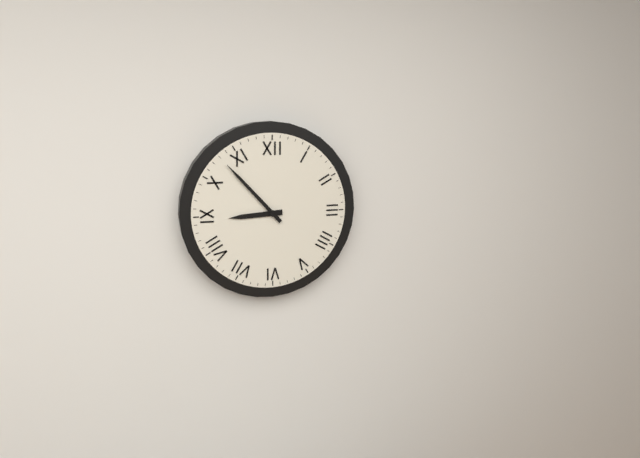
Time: **8:53**
